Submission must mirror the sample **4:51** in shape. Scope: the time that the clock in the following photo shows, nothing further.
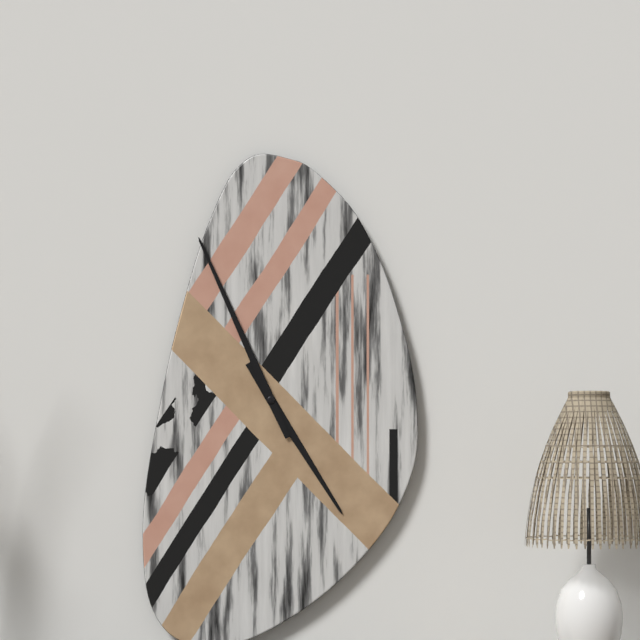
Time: **4:56**
